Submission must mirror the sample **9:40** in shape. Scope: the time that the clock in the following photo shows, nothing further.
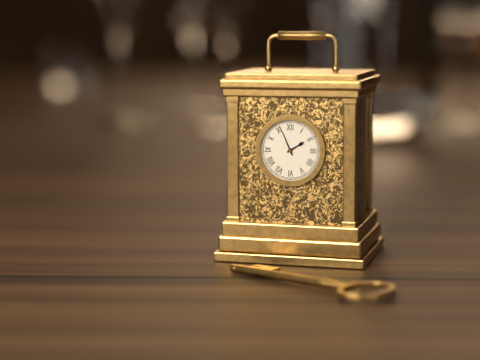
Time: **1:56**
